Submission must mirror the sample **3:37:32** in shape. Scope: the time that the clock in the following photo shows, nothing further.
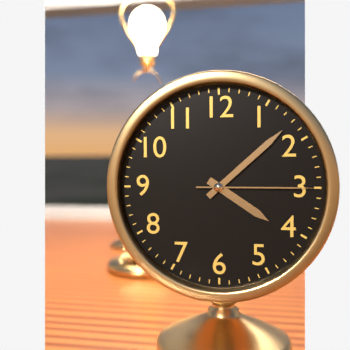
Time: **4:08:15**
